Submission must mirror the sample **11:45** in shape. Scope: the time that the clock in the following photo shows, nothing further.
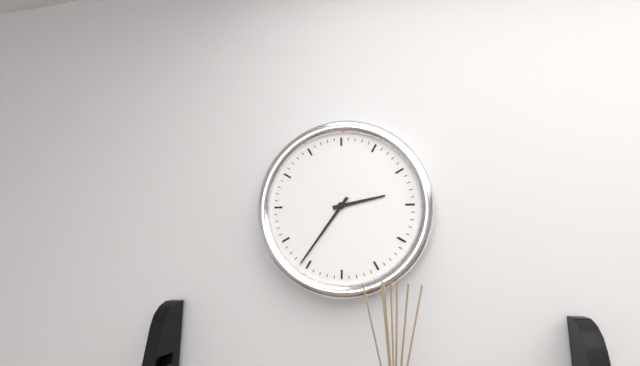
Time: **2:36**
